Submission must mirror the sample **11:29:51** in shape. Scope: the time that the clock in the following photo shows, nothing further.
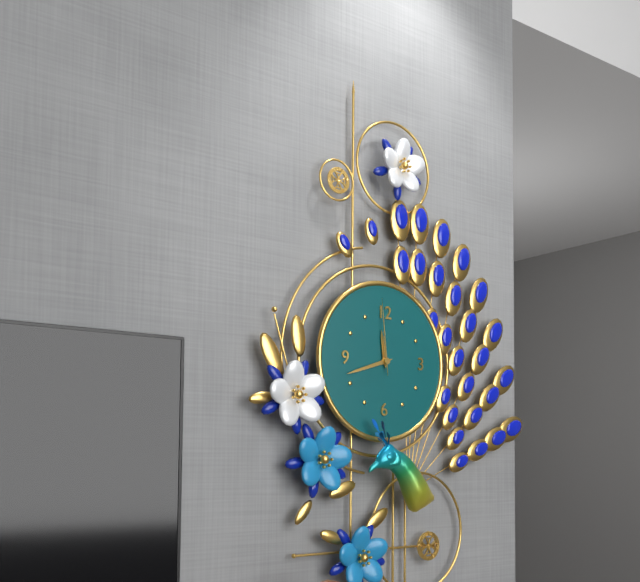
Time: **11:42:59**
